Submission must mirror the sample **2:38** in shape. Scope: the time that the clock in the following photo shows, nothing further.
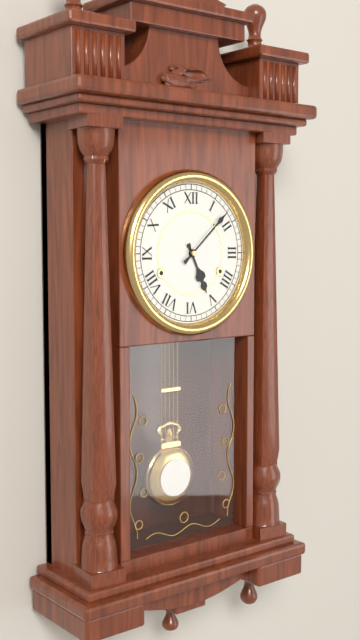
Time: **5:08**
